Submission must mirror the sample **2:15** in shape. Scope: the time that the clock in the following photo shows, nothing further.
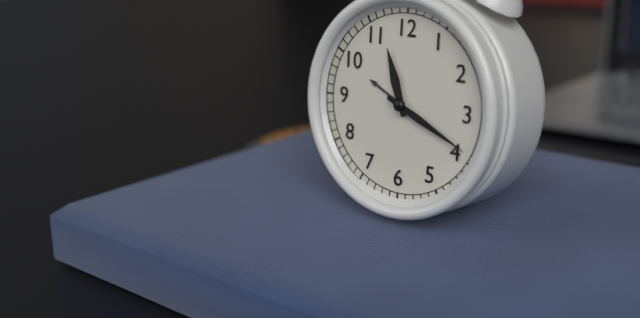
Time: **11:19**
